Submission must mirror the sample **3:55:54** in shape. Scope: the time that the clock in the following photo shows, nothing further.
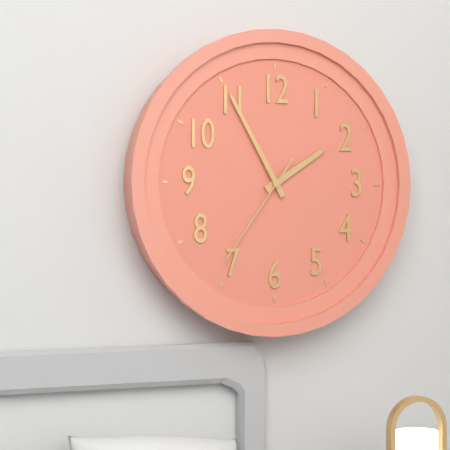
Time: **1:55:36**
